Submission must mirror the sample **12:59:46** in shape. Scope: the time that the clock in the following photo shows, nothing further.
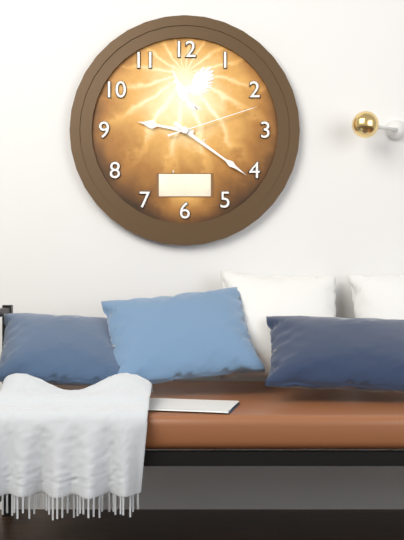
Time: **9:21:12**
